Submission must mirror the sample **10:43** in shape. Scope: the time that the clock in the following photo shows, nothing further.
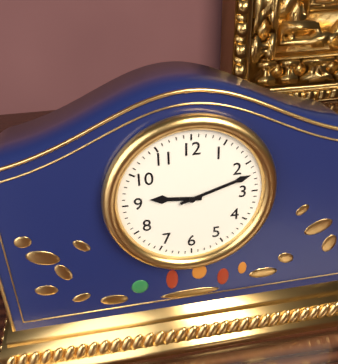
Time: **9:12**
